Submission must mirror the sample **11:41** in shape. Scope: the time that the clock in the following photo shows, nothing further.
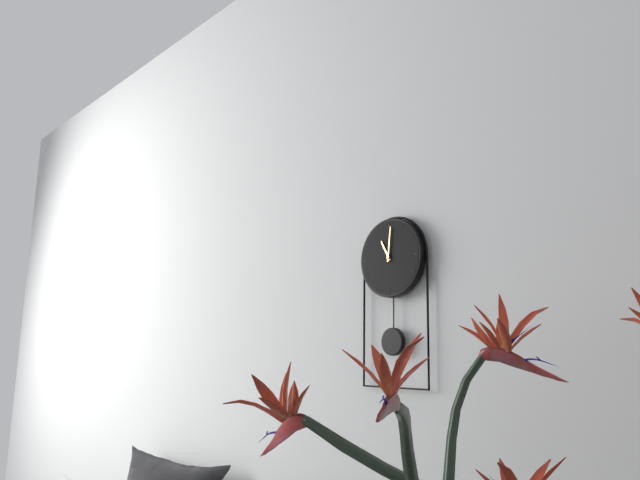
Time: **11:01**
